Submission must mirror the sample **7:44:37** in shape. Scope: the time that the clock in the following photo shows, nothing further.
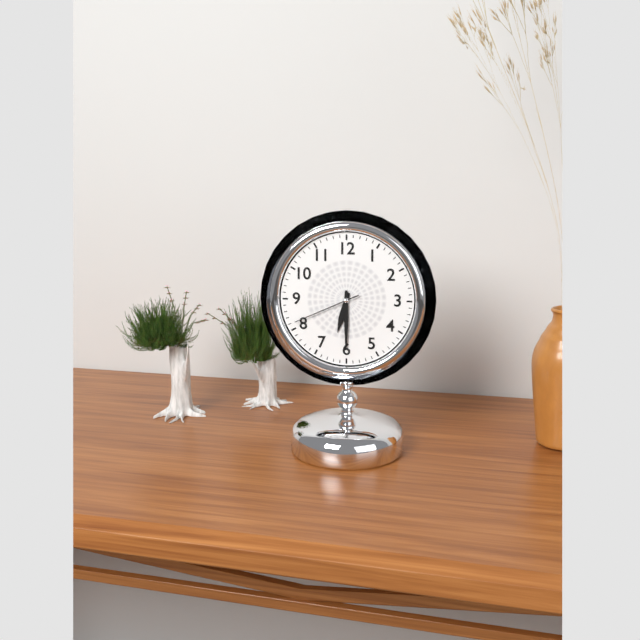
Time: **6:30:41**
